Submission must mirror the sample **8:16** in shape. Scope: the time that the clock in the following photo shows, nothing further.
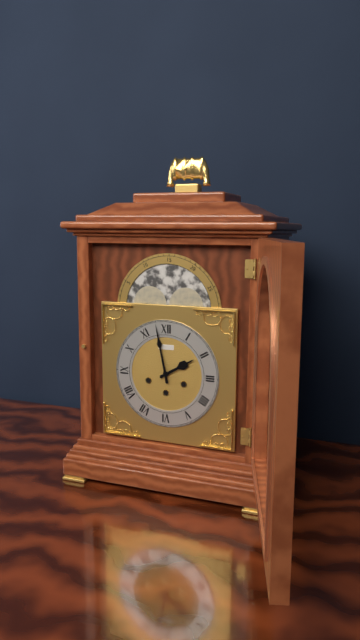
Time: **1:58**
